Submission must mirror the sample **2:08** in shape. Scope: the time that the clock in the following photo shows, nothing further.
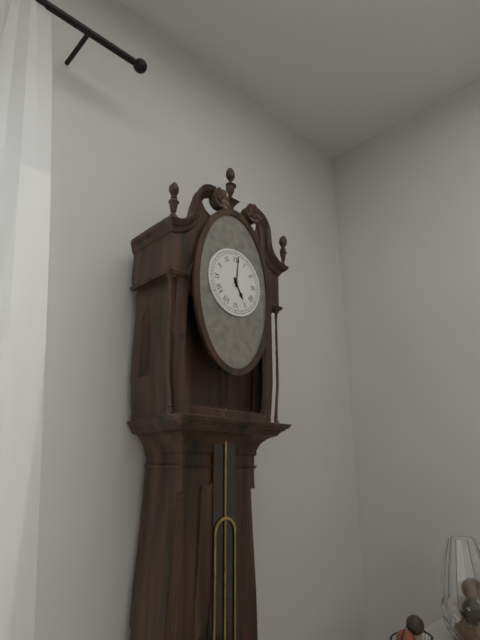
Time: **5:01**
